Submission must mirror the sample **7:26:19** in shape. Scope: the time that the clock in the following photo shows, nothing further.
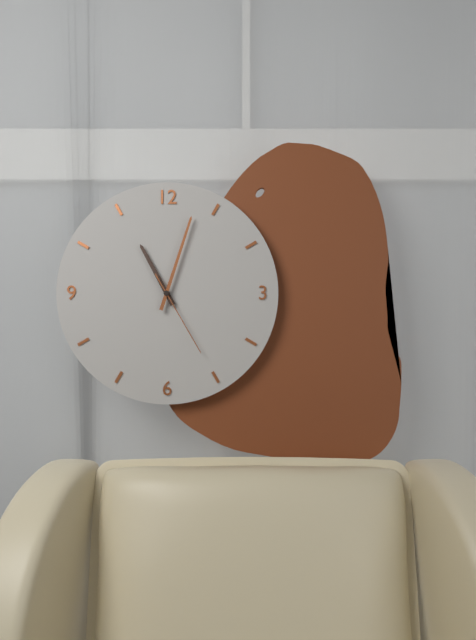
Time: **11:03:25**
